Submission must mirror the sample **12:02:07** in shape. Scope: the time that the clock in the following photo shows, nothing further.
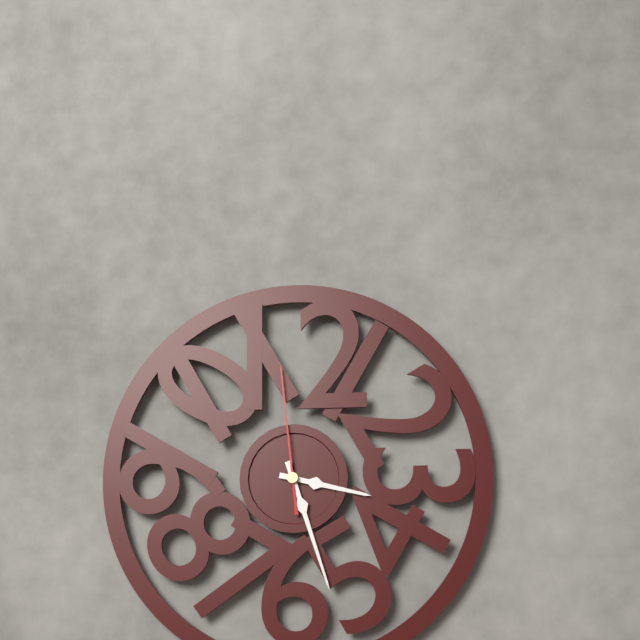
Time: **3:27:59**
